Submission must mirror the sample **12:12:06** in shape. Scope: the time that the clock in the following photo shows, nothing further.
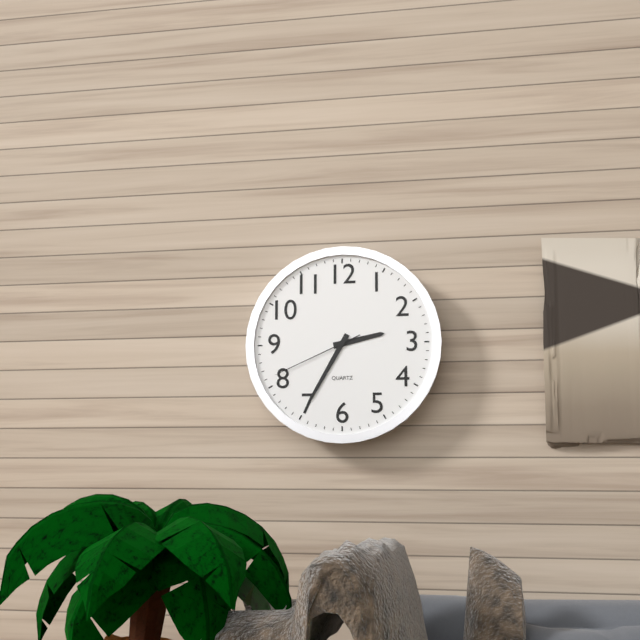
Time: **2:35:41**
